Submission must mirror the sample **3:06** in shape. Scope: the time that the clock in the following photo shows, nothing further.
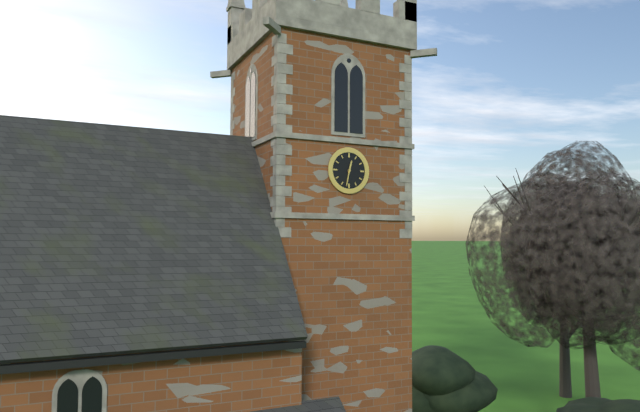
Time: **12:32**
